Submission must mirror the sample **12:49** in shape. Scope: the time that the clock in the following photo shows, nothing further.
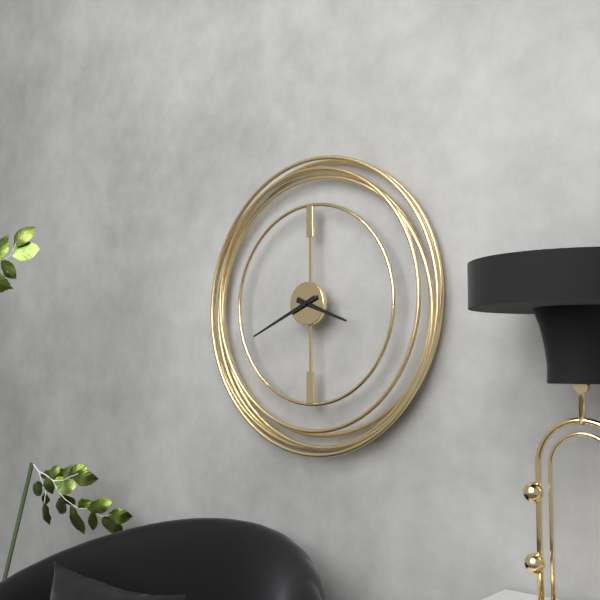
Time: **3:41**
